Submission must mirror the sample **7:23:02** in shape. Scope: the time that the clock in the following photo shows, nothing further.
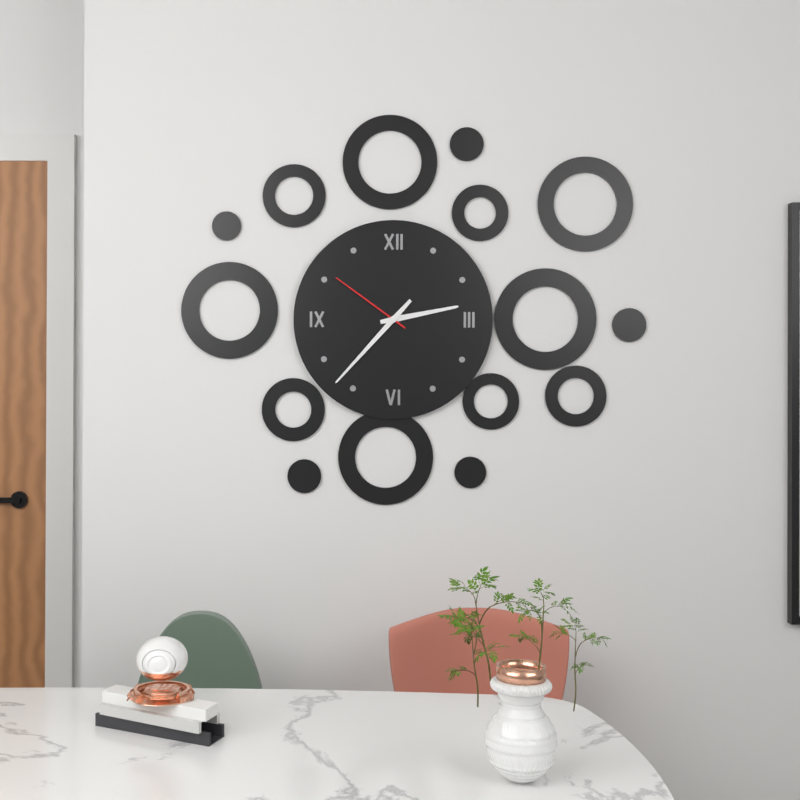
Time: **2:37:51**
